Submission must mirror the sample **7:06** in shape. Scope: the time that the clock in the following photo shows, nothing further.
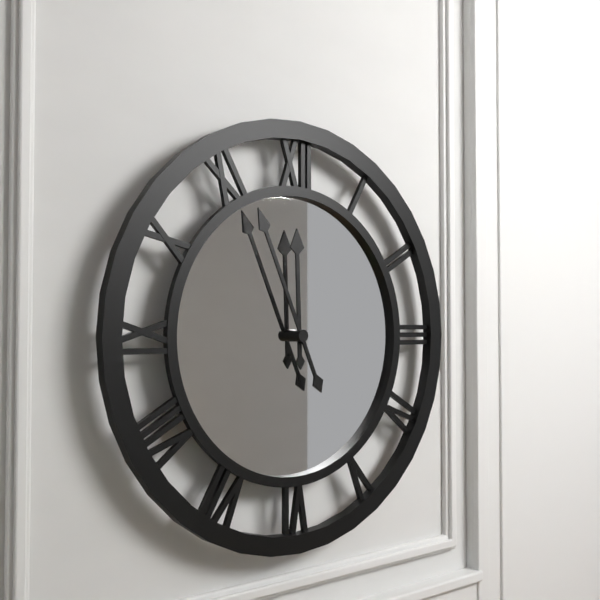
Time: **11:56**
